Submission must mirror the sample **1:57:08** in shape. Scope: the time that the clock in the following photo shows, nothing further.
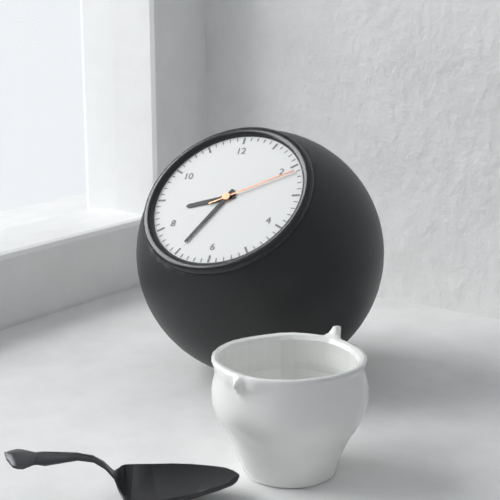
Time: **8:35:11**
